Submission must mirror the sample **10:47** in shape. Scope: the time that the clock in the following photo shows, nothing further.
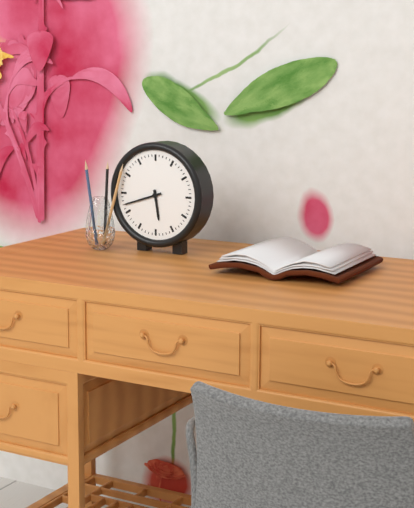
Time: **5:42**
